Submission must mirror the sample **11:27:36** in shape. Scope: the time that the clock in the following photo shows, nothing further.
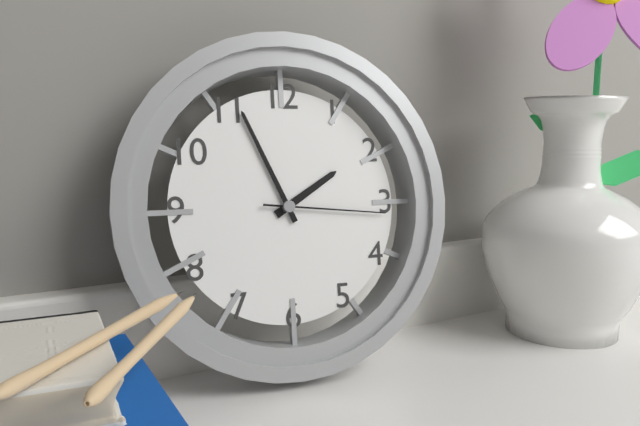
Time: **1:56:16**
